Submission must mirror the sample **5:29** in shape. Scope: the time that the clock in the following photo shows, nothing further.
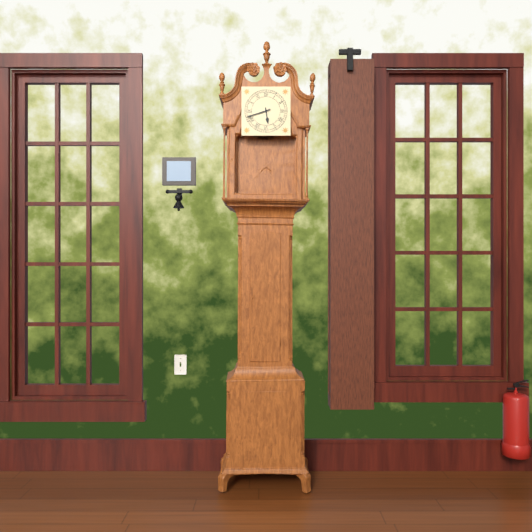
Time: **5:42**
